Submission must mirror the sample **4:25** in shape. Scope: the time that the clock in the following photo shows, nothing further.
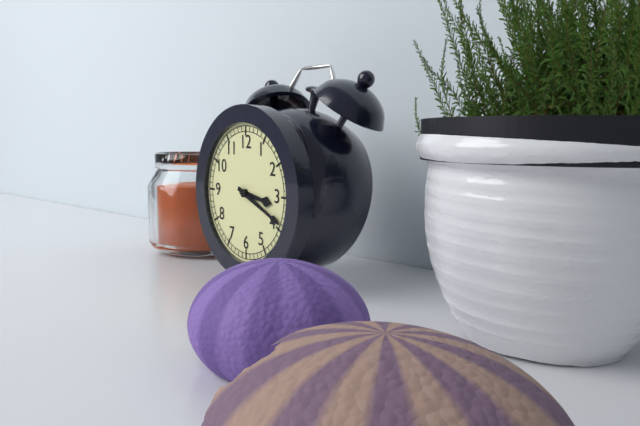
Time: **3:19**
